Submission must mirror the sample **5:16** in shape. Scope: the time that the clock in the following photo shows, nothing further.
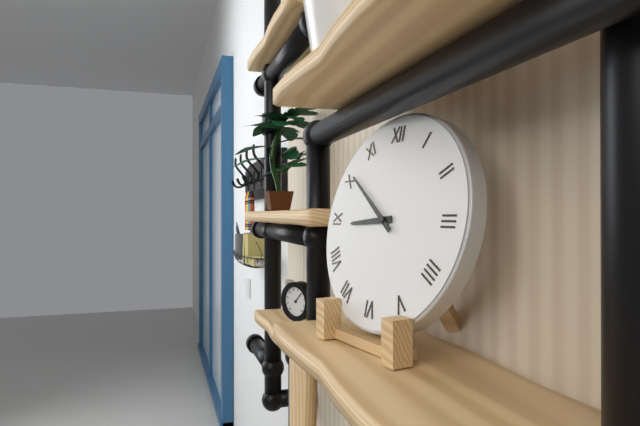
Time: **8:51**
